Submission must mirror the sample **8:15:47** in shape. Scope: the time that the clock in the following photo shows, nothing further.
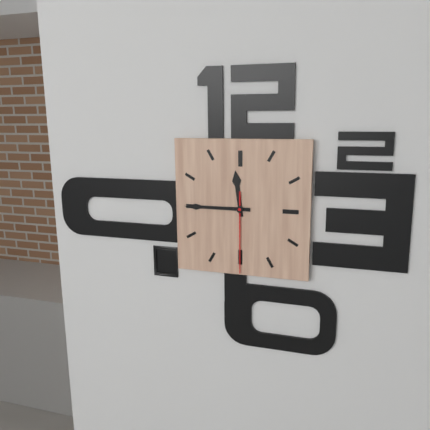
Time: **11:45:30**
